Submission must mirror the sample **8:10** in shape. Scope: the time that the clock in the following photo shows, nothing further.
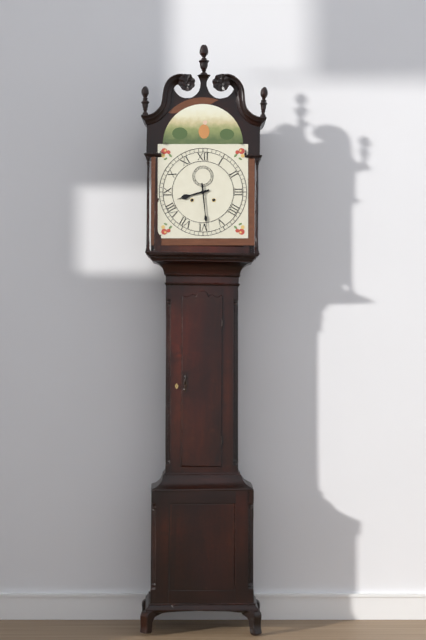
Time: **8:29**
